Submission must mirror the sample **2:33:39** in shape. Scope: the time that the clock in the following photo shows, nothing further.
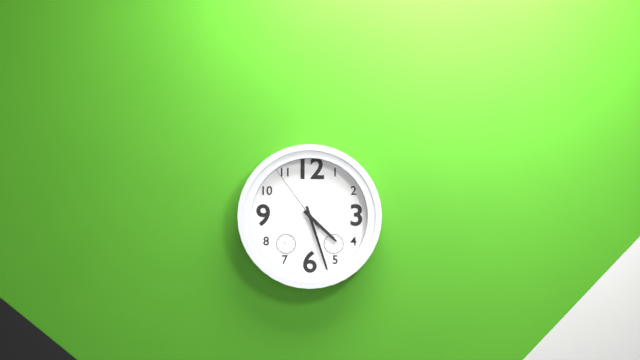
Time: **4:27:54**
